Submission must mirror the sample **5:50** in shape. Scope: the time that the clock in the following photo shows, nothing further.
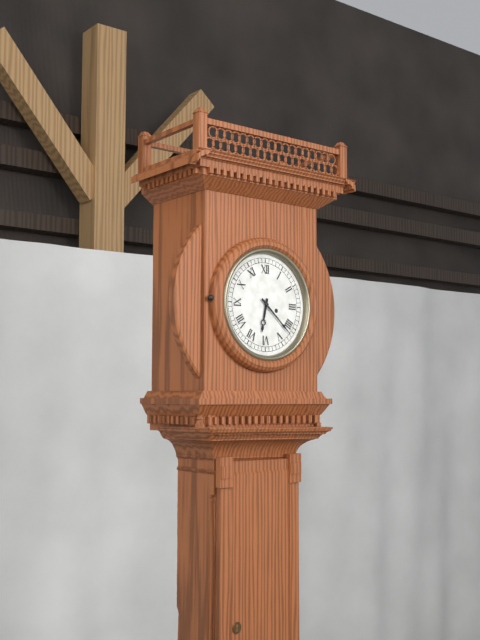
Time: **6:22**
